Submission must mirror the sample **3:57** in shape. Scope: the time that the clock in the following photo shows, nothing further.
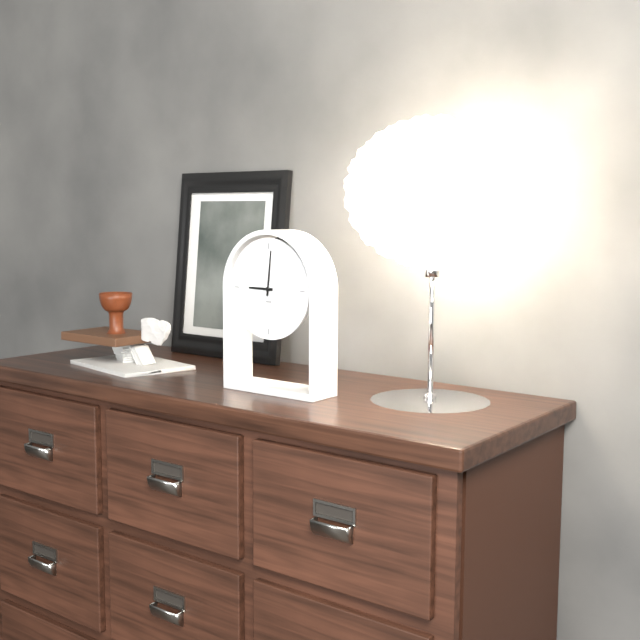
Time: **9:01**
